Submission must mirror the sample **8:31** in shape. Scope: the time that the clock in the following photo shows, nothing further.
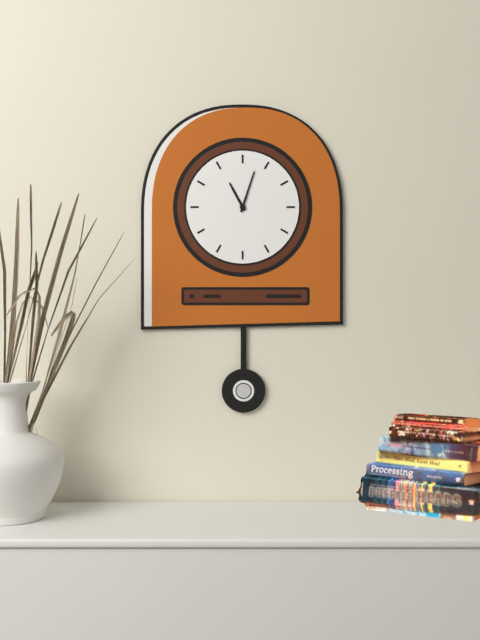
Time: **11:03**
